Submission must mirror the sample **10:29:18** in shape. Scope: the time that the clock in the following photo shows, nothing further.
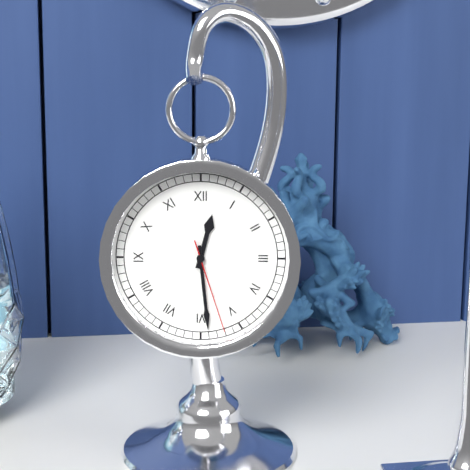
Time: **12:29:27**
